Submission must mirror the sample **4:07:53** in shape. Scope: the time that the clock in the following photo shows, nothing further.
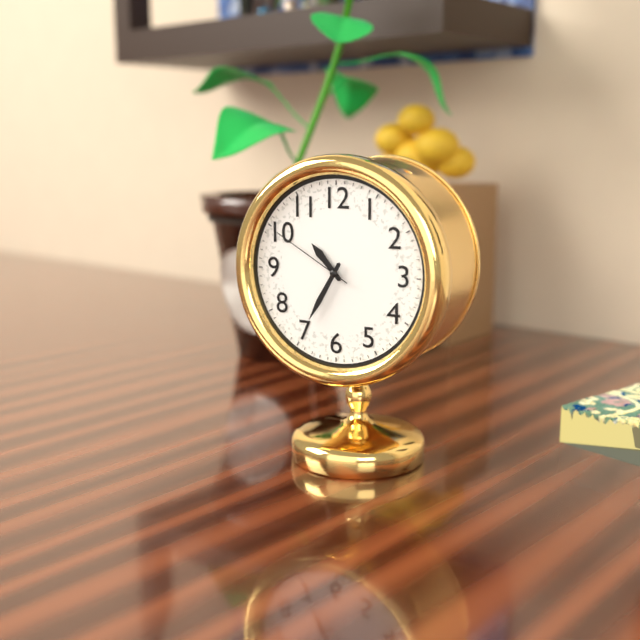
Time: **10:35:50**
